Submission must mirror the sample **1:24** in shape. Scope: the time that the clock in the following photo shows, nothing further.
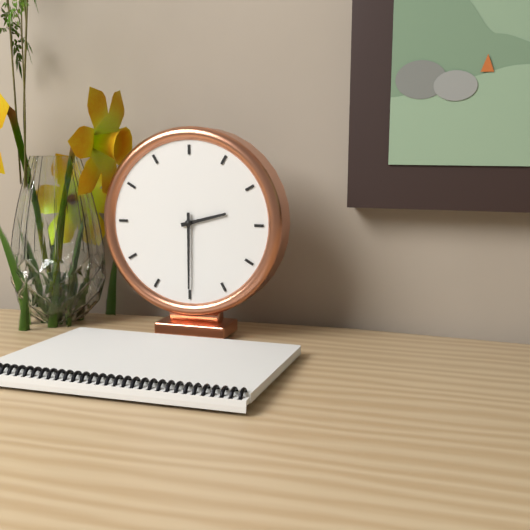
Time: **2:30**
